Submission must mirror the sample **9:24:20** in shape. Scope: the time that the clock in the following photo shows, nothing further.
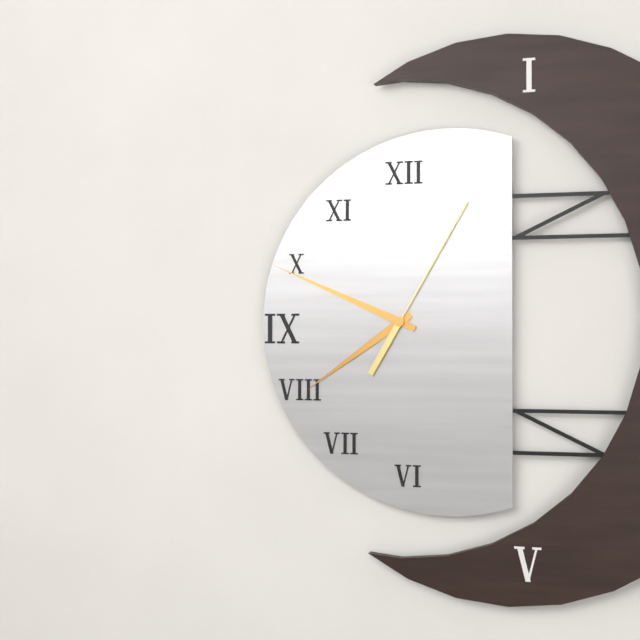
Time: **7:49:05**
